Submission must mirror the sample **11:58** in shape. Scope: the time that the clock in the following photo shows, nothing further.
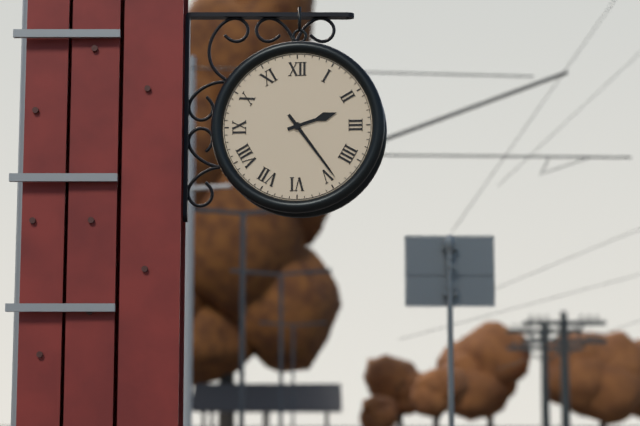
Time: **2:24**
